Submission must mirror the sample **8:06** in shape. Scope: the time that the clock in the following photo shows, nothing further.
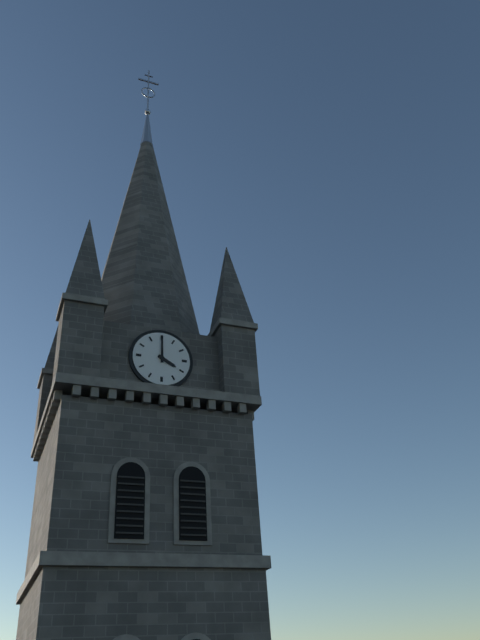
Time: **4:00**
